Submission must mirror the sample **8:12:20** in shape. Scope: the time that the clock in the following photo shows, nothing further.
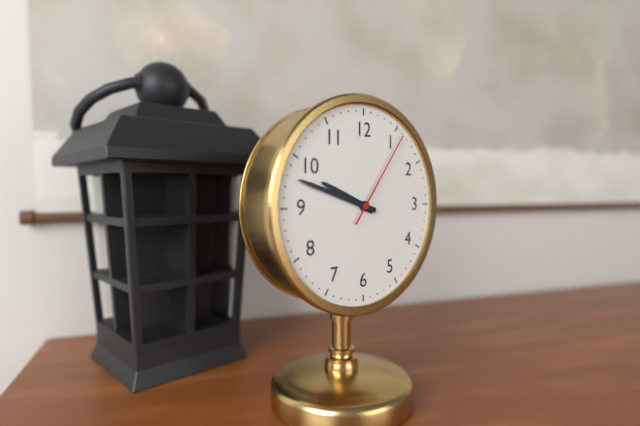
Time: **9:48:06**
